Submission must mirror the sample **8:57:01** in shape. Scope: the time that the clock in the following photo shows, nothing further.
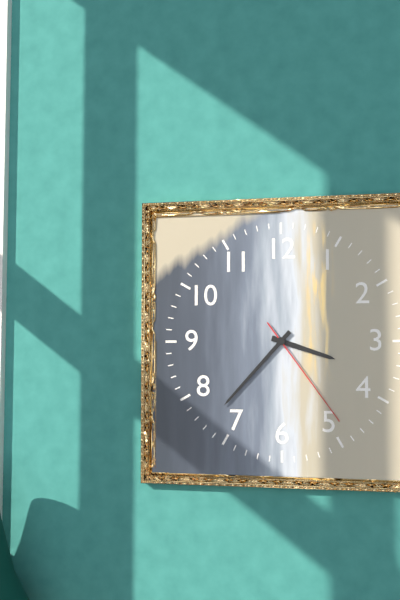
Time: **3:37:24**
